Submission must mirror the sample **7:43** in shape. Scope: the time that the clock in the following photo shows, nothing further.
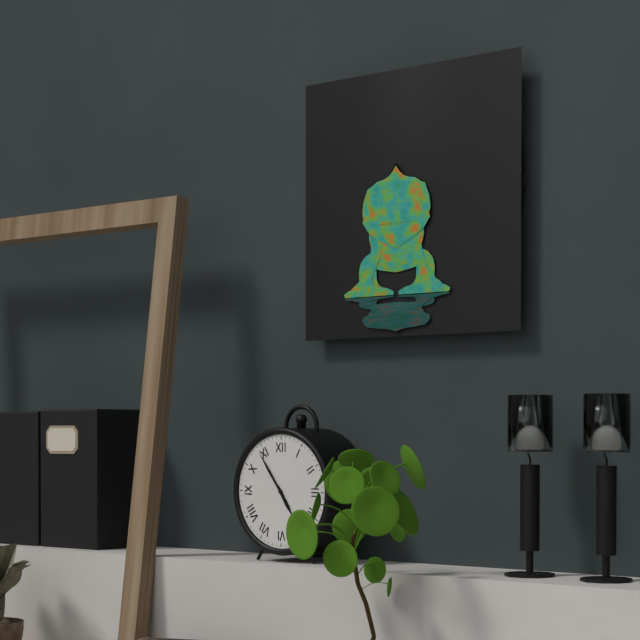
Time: **4:54**
